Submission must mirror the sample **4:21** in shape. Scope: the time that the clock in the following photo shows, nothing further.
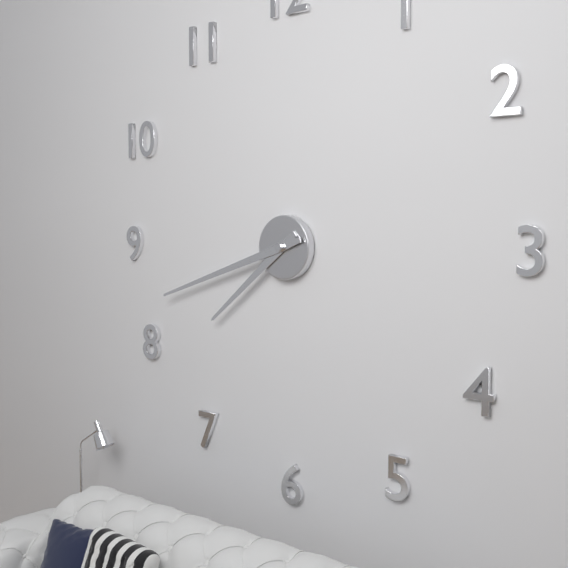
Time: **7:42**
